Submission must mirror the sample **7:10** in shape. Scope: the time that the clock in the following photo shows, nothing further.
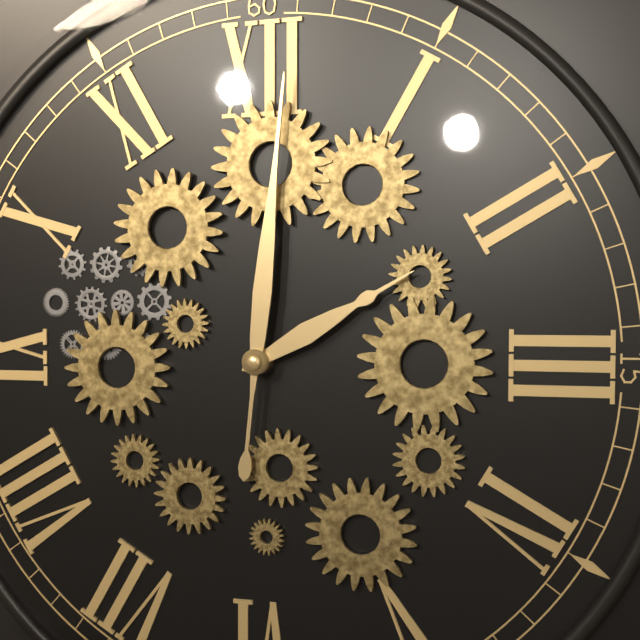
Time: **2:01**
